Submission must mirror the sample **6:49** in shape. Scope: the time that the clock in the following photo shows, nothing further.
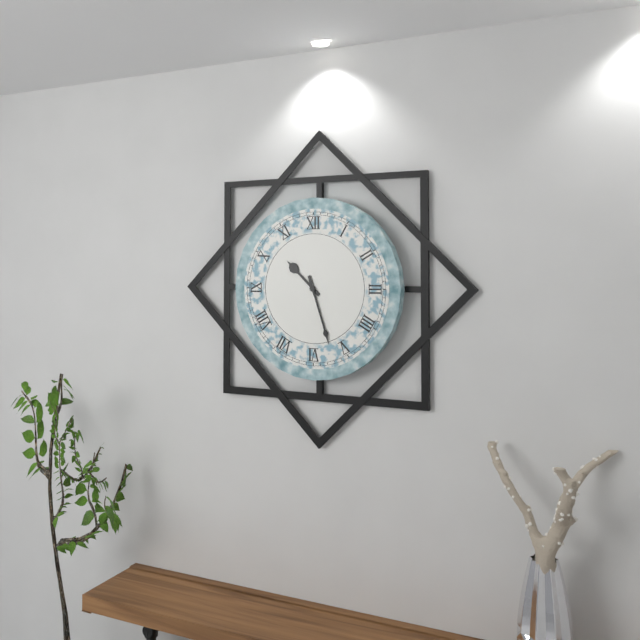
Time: **10:27**
